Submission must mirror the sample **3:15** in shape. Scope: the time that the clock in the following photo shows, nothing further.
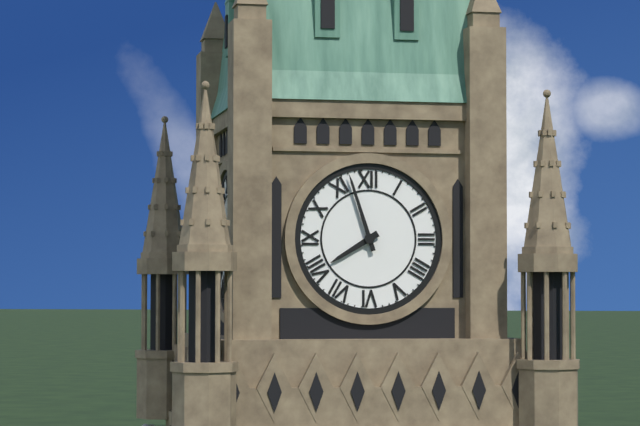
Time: **7:57**
